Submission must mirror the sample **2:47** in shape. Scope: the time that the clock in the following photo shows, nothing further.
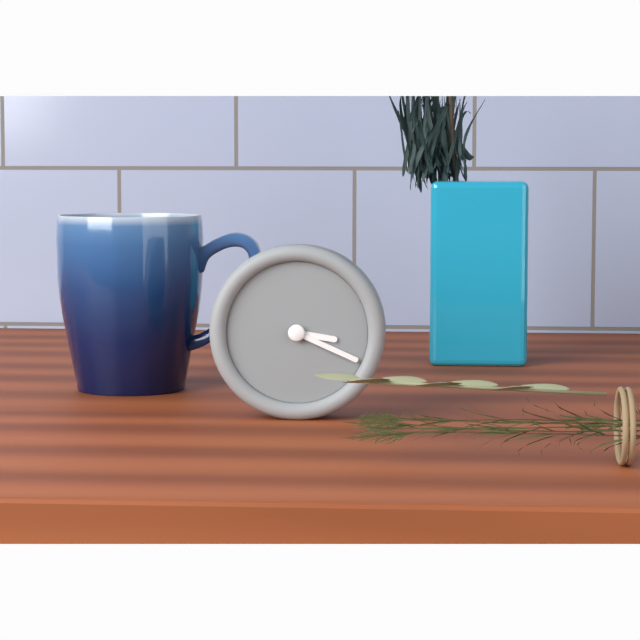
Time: **3:19**
